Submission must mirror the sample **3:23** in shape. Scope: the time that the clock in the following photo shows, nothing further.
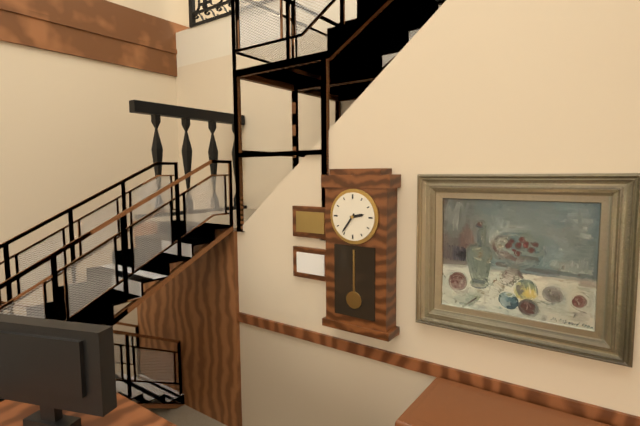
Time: **2:36**
